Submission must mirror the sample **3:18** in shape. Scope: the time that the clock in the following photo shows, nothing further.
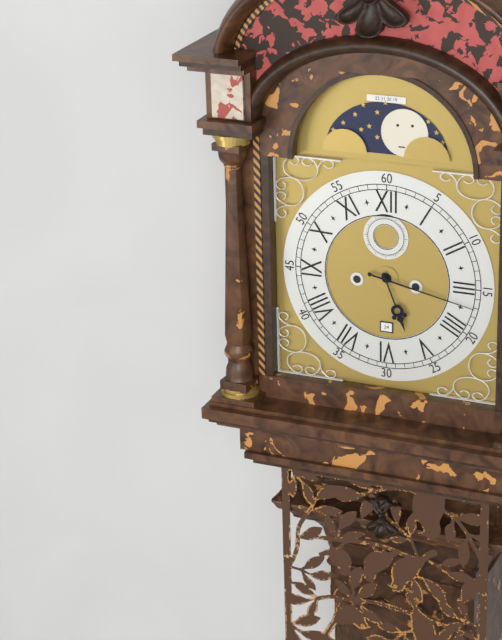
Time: **5:17**
